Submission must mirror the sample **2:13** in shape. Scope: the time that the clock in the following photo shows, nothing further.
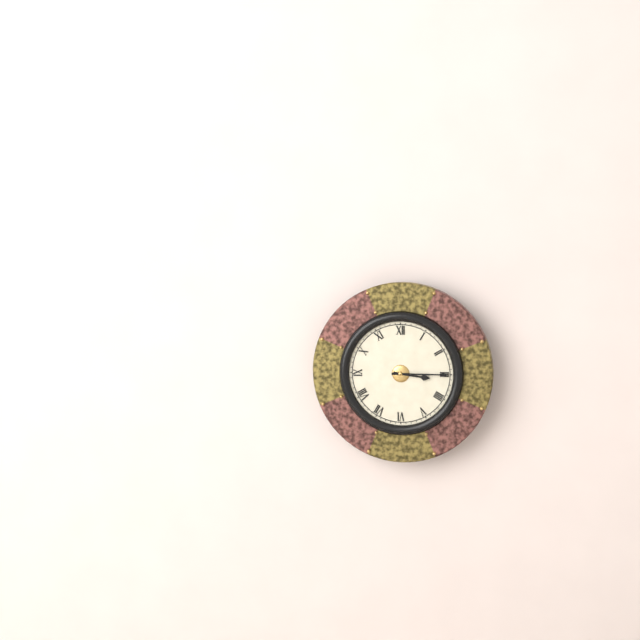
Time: **3:15**
